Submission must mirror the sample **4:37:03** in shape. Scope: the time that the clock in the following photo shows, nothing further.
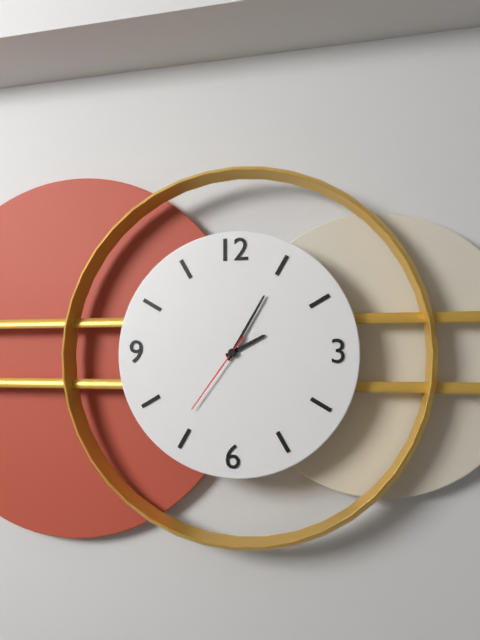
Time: **2:05:36**
